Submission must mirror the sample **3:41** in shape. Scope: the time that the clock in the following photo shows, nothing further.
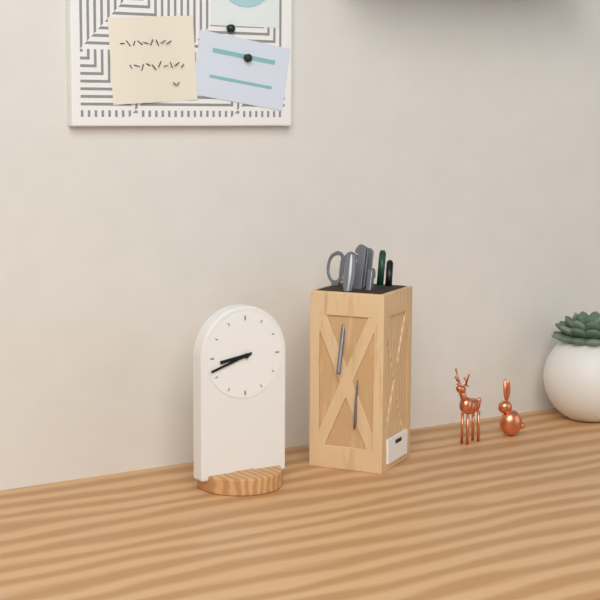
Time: **8:42**
